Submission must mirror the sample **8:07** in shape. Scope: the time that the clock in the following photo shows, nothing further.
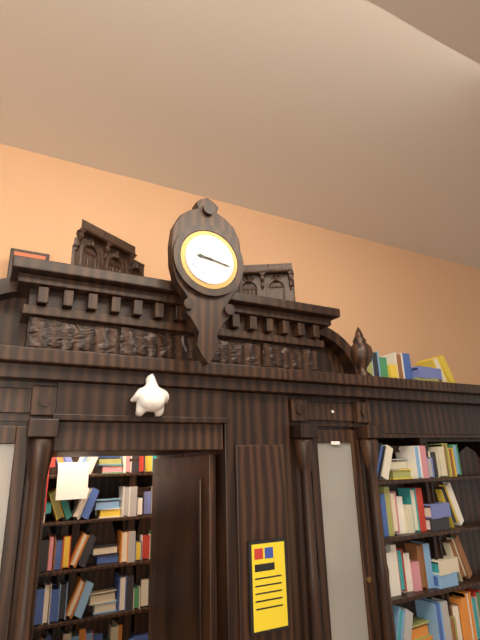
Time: **9:17**
